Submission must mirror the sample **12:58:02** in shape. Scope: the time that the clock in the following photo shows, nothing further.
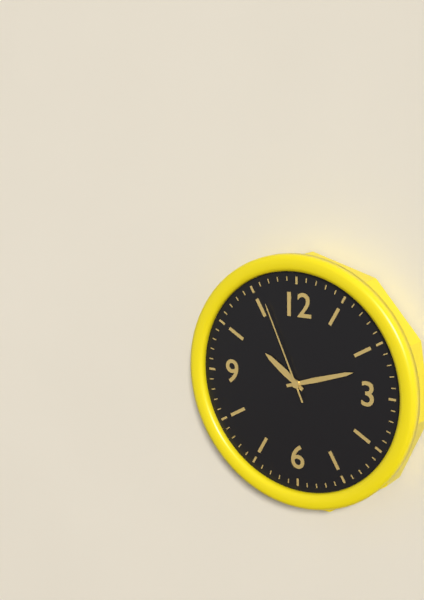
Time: **10:12:56**
